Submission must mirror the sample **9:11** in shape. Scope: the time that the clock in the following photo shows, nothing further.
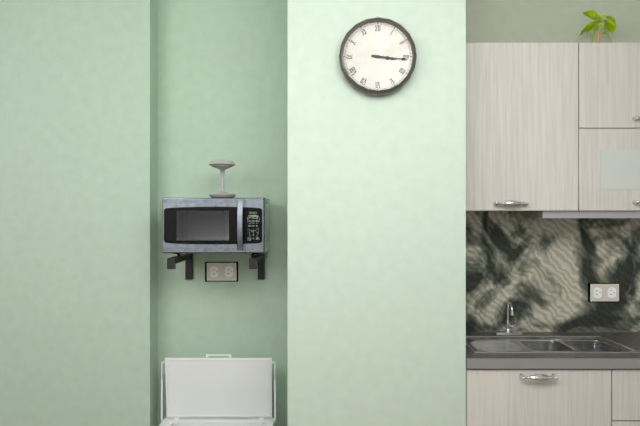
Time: **3:16**
